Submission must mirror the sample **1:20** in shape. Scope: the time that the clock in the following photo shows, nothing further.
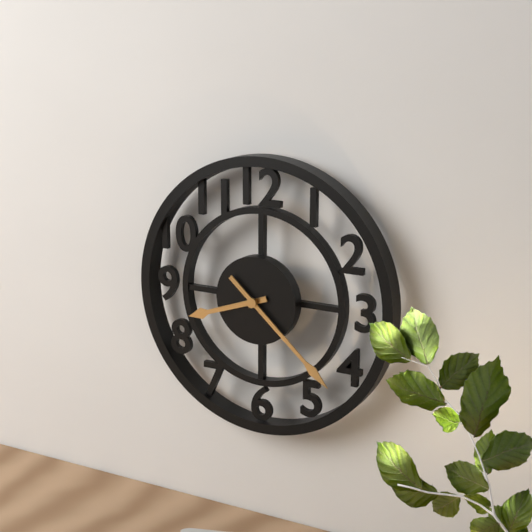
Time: **8:22**
